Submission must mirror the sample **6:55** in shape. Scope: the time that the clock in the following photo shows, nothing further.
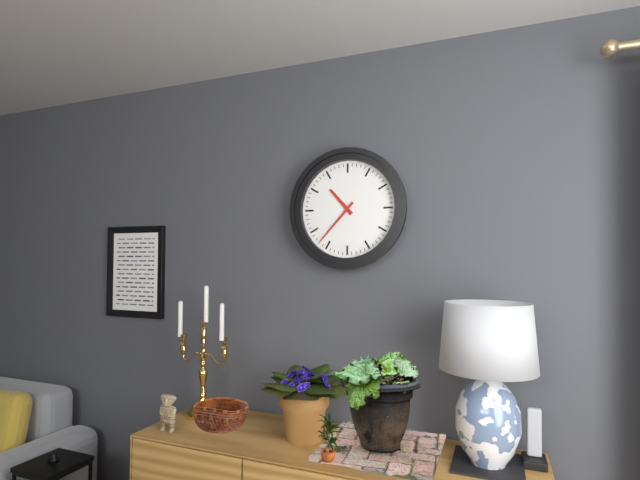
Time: **10:37**
